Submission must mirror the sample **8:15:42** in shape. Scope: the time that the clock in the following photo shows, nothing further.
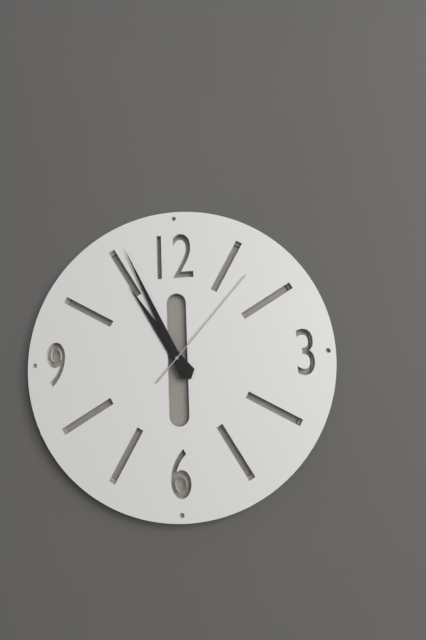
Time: **10:56:07**
